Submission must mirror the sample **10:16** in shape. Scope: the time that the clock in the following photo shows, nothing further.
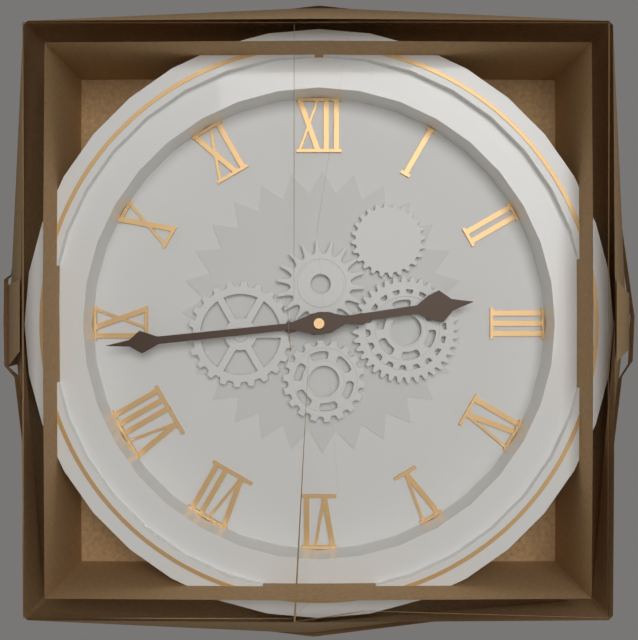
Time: **2:44**
